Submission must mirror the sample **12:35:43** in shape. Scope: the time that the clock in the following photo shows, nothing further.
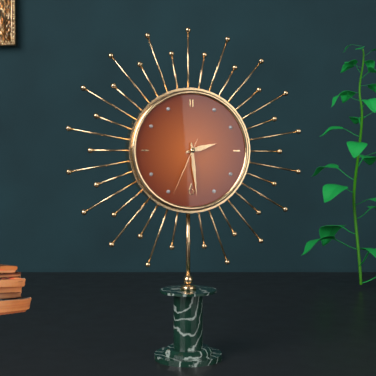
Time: **2:29:34**
